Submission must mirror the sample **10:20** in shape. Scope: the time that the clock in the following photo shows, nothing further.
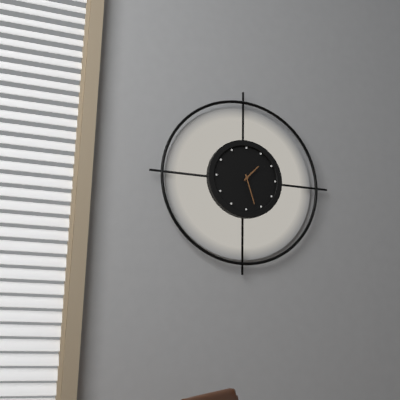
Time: **1:27**
